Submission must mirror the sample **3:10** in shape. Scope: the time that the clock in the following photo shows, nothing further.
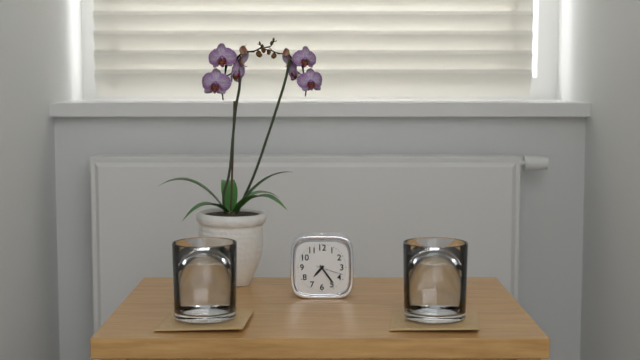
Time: **7:24**
